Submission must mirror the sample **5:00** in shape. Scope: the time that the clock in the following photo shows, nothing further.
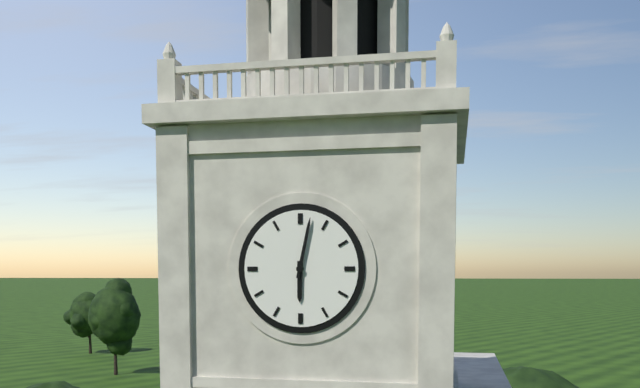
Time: **6:02**
